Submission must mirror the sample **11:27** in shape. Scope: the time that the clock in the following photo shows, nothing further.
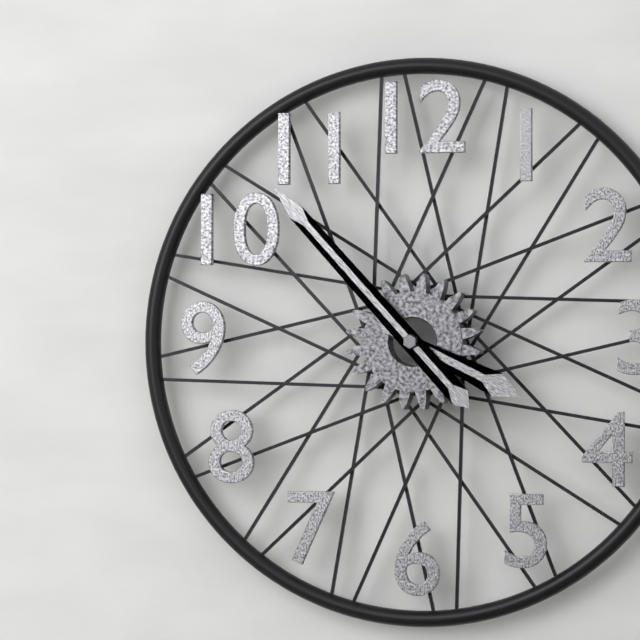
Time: **3:53**
